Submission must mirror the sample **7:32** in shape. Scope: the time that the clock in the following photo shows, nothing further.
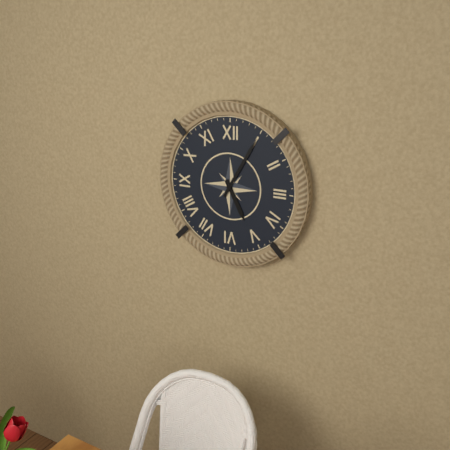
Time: **5:05**
